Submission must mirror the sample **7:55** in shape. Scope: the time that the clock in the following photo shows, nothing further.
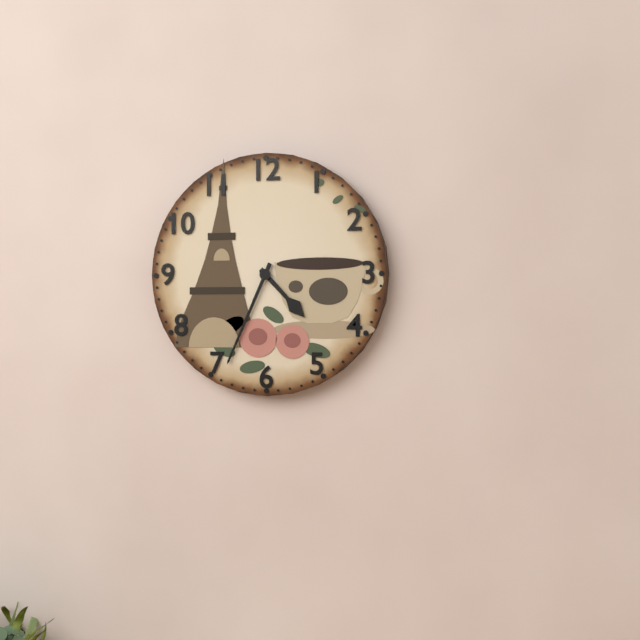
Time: **4:34**
